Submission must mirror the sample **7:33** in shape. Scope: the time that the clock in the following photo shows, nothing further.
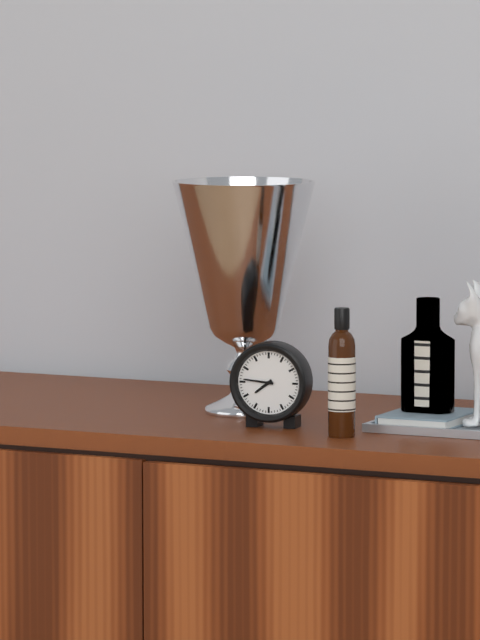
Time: **7:46**
